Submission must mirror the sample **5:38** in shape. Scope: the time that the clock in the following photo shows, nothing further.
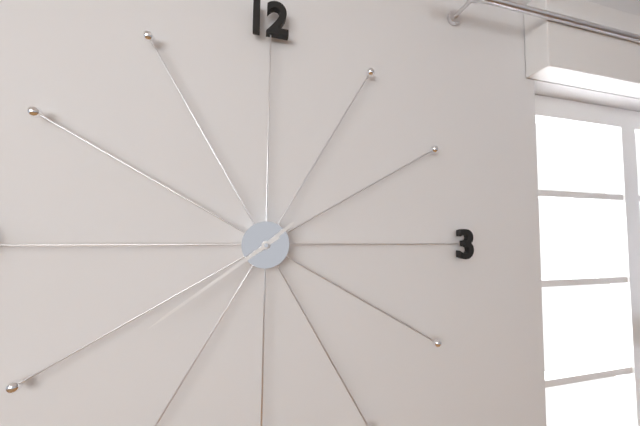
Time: **1:39**
